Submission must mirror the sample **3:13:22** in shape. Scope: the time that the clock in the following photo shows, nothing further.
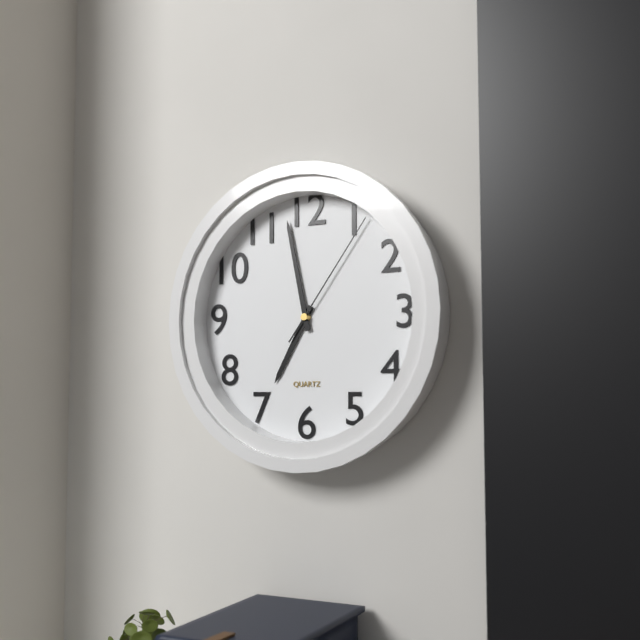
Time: **6:58:06**
